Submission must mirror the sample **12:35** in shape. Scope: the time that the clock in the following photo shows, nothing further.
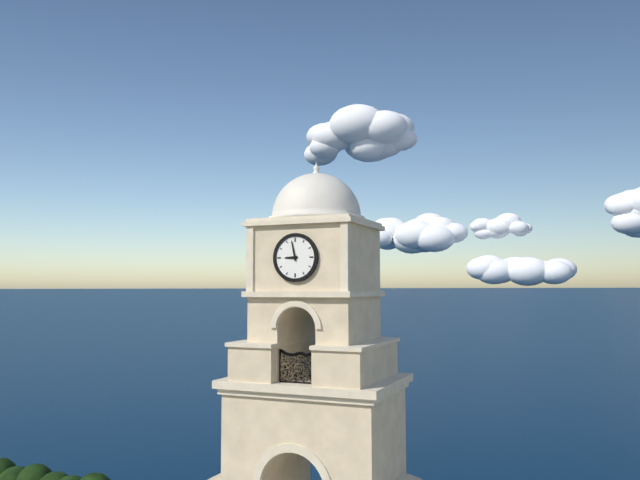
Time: **8:58**
